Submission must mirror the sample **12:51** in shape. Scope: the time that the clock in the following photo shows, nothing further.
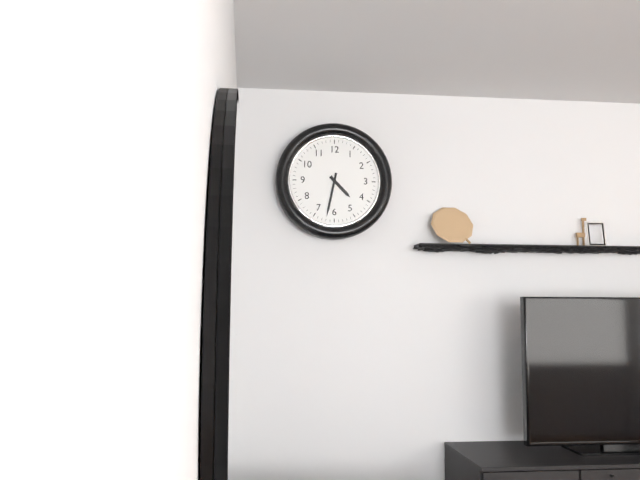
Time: **4:32**
